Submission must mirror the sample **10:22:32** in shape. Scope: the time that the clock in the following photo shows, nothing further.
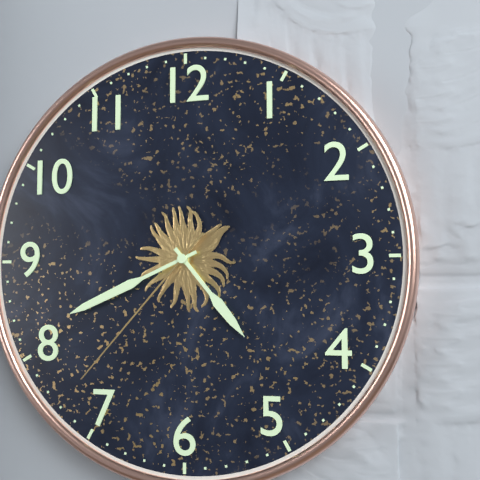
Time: **4:41:37**
